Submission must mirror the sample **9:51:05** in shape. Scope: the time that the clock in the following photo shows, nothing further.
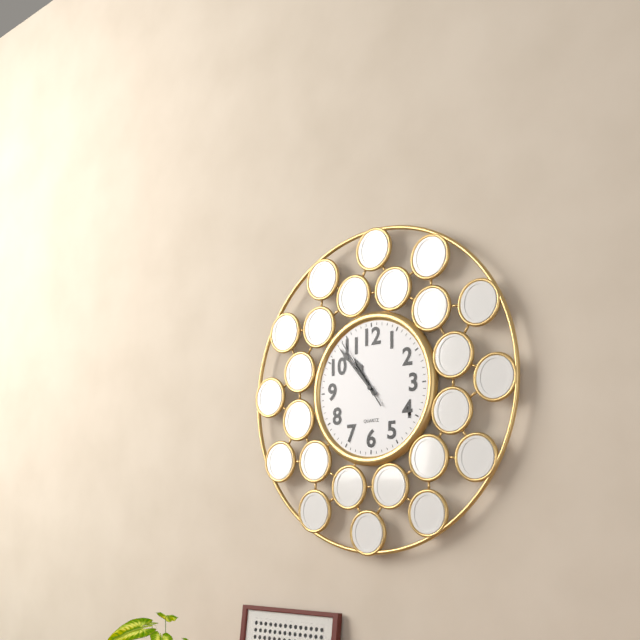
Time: **10:53:54**
